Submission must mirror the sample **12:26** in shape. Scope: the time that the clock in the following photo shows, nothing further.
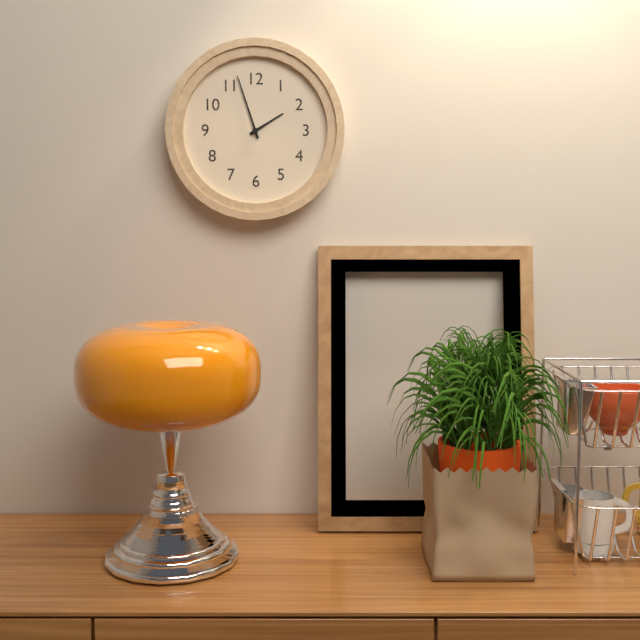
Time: **1:57**
